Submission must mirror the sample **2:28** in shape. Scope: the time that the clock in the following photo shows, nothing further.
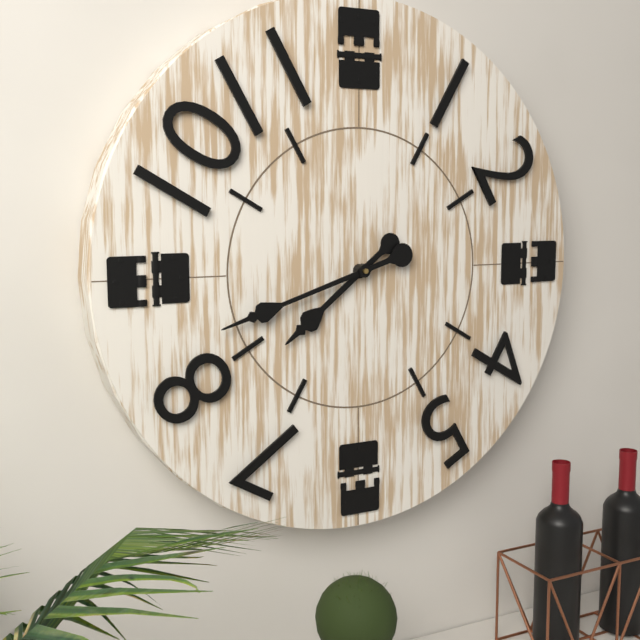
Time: **7:42**
